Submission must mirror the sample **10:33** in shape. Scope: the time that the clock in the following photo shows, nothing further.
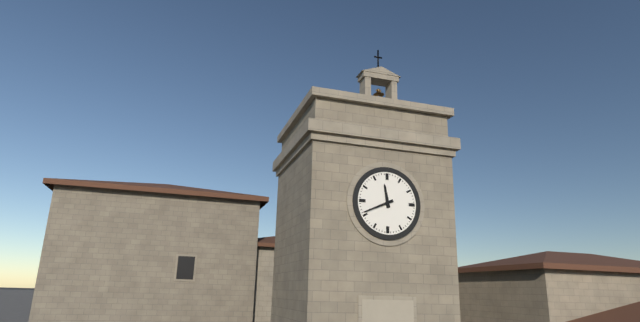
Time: **11:41**
